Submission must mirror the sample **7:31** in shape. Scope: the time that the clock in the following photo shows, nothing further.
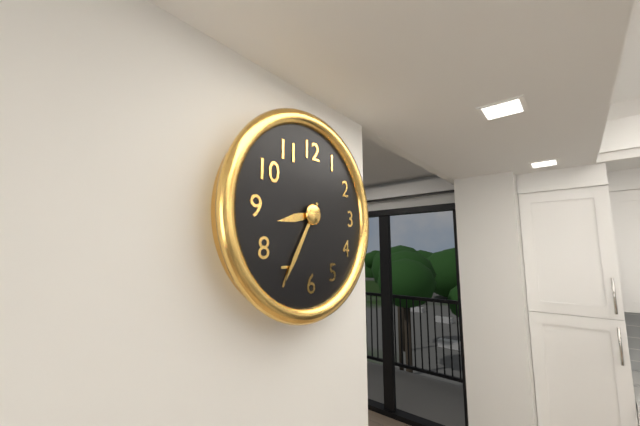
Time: **8:35**
